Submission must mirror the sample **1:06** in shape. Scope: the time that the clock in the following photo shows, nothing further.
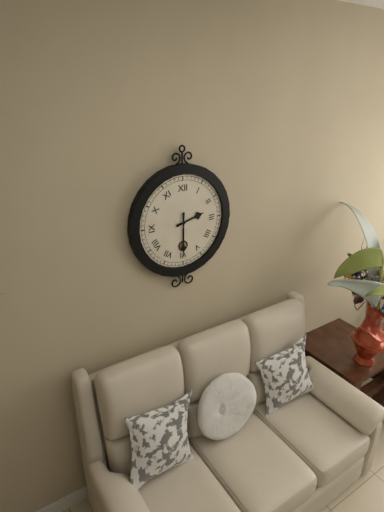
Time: **2:30**
